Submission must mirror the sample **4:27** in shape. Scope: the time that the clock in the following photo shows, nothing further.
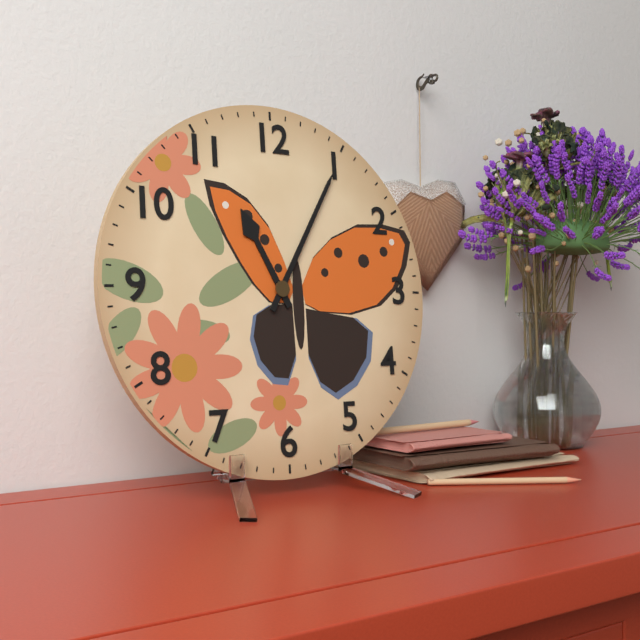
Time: **11:05**
